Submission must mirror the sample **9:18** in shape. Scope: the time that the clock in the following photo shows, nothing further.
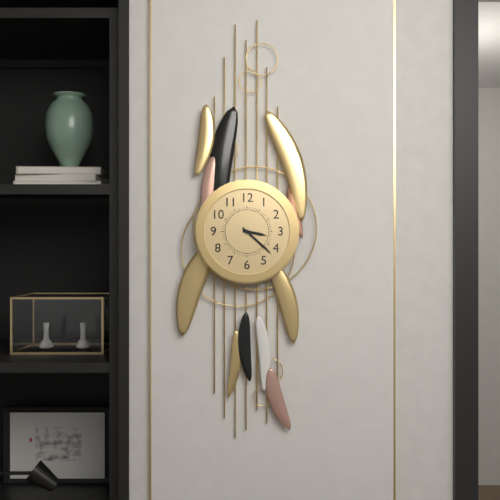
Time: **3:22**
